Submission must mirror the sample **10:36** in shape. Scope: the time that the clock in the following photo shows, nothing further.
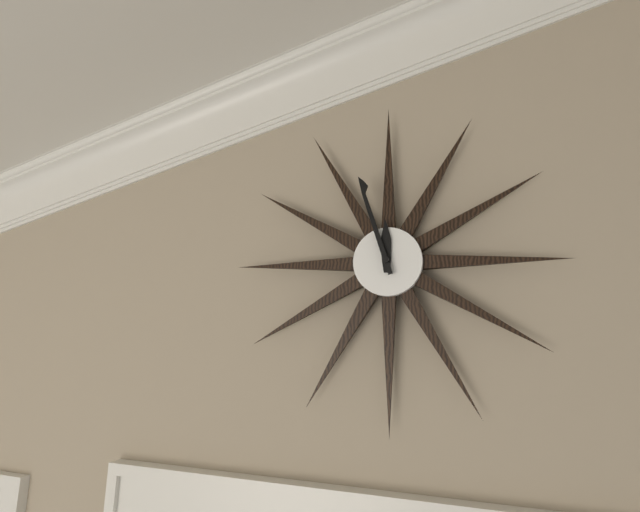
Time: **11:57**
